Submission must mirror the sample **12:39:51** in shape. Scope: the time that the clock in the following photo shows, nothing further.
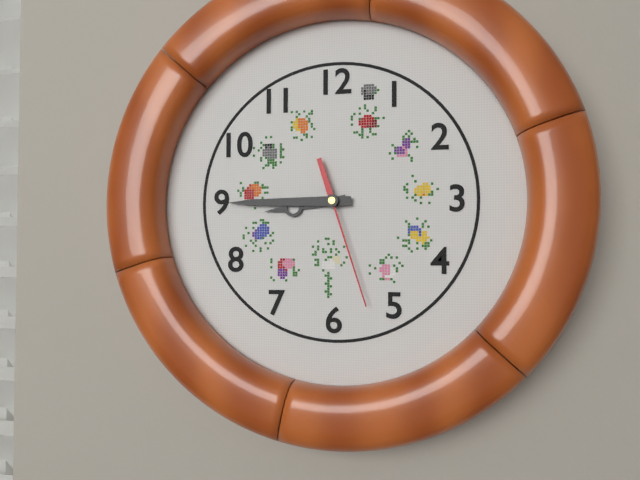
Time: **8:45:27**
